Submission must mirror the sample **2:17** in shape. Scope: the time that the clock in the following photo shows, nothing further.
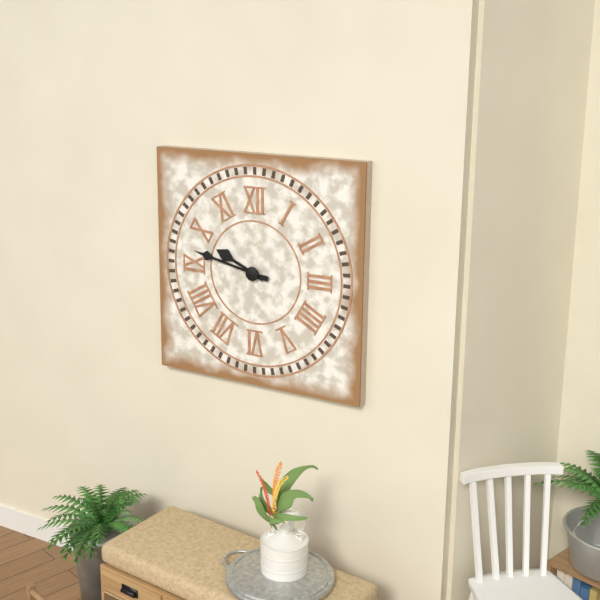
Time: **9:47**
